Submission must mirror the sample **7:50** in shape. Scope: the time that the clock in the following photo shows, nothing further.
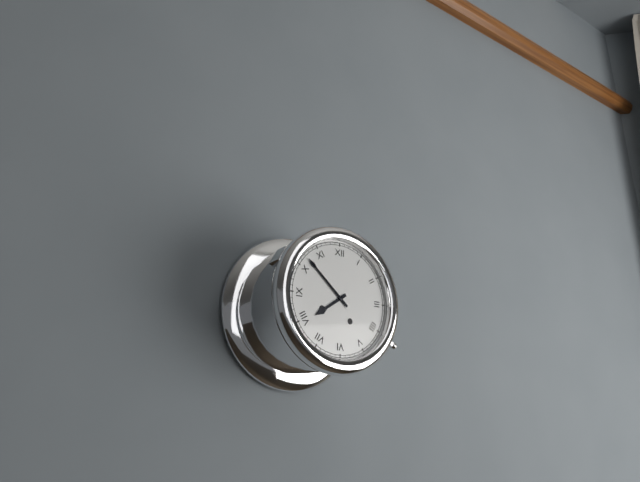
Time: **7:52**
